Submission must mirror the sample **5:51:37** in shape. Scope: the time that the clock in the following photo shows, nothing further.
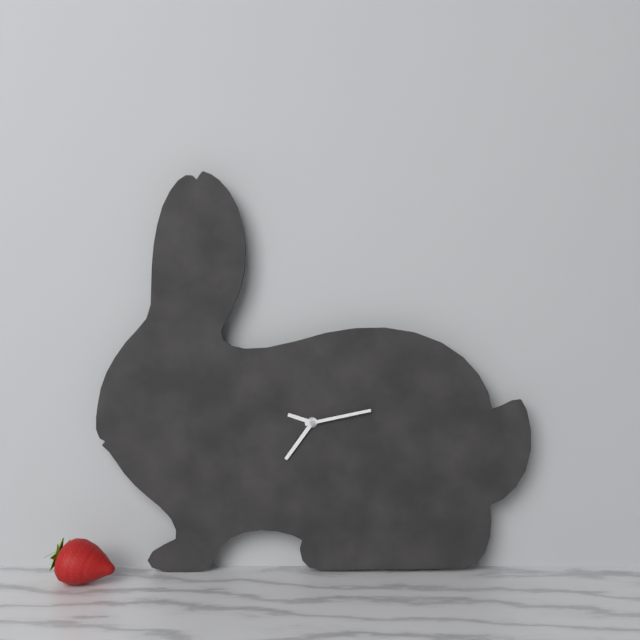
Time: **9:36:13**
